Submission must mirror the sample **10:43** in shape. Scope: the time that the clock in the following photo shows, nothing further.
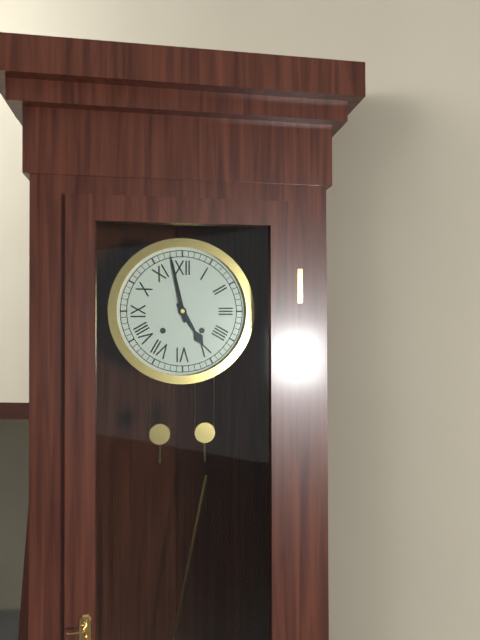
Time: **4:58**
